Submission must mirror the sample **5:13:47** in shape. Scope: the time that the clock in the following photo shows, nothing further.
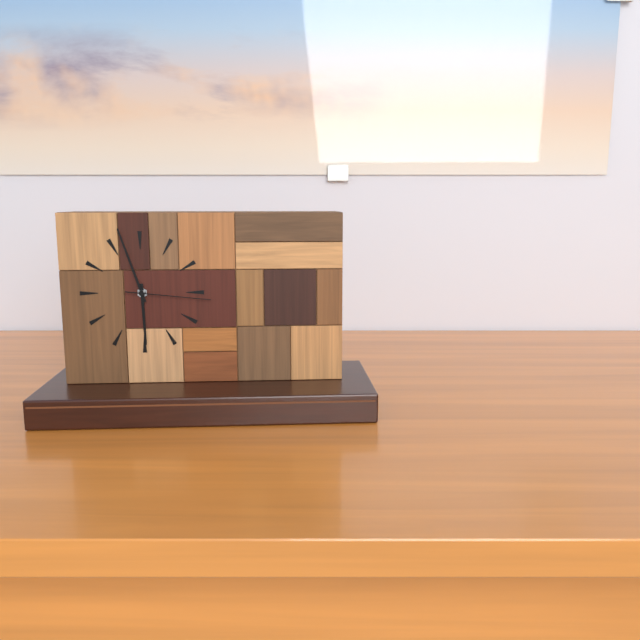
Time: **5:57:16**
